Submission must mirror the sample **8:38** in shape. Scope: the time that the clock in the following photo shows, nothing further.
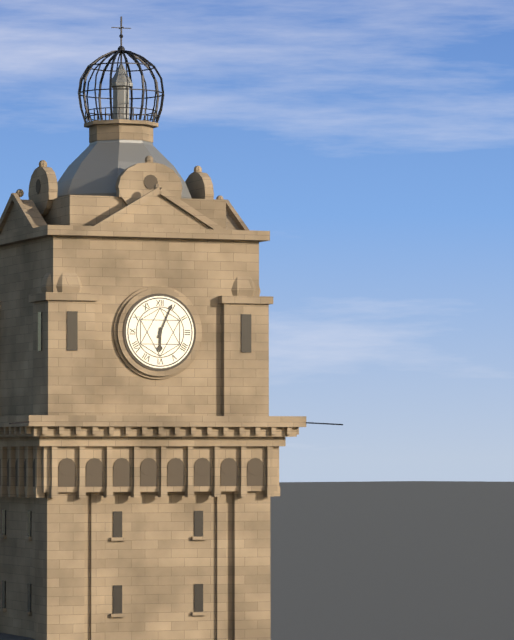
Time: **6:04**
